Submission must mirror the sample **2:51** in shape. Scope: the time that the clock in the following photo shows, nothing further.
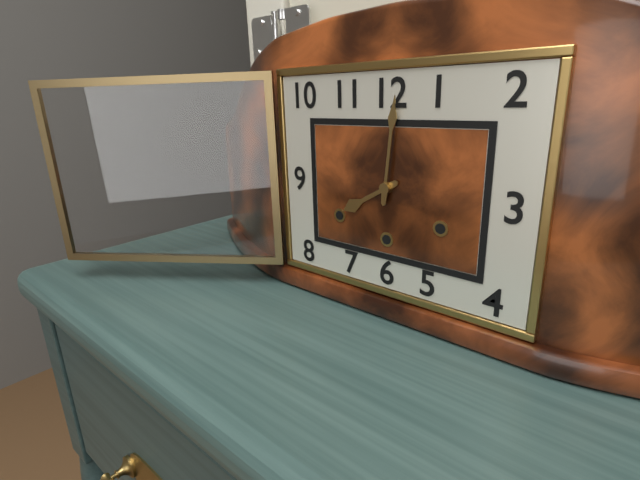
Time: **8:01**
